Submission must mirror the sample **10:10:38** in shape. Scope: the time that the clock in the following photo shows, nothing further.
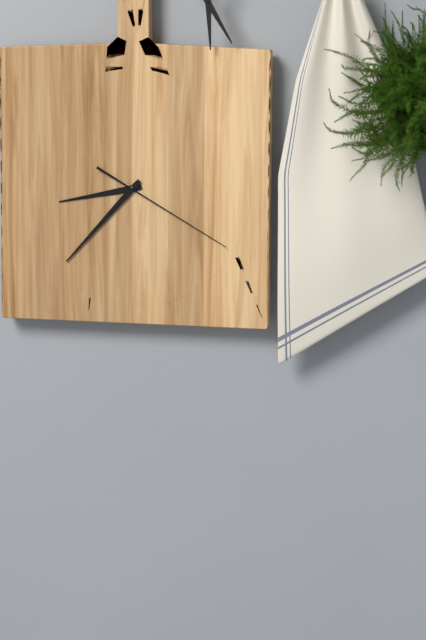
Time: **8:37:20**
